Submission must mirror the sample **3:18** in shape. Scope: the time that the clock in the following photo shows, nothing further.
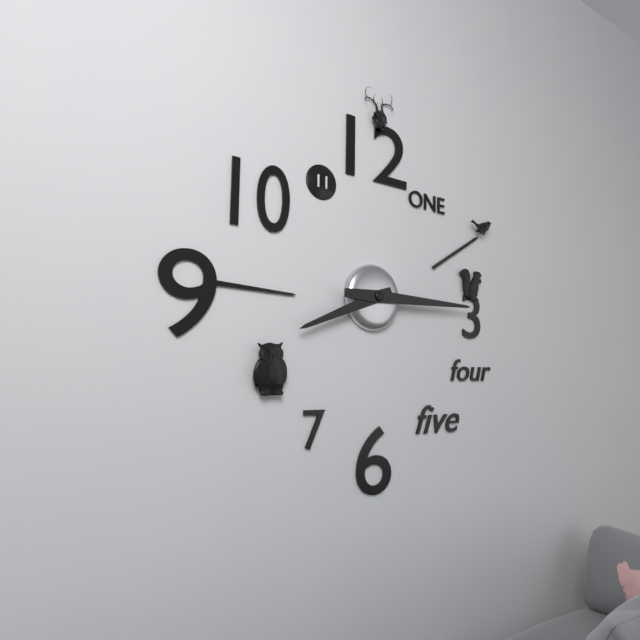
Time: **8:15**
